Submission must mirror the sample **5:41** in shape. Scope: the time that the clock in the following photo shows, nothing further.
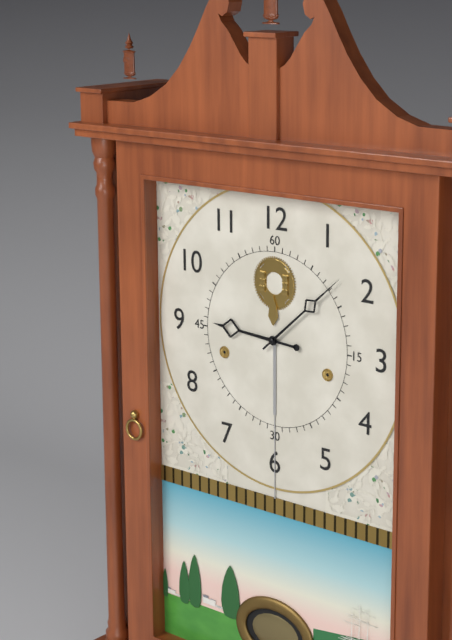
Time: **9:08**
